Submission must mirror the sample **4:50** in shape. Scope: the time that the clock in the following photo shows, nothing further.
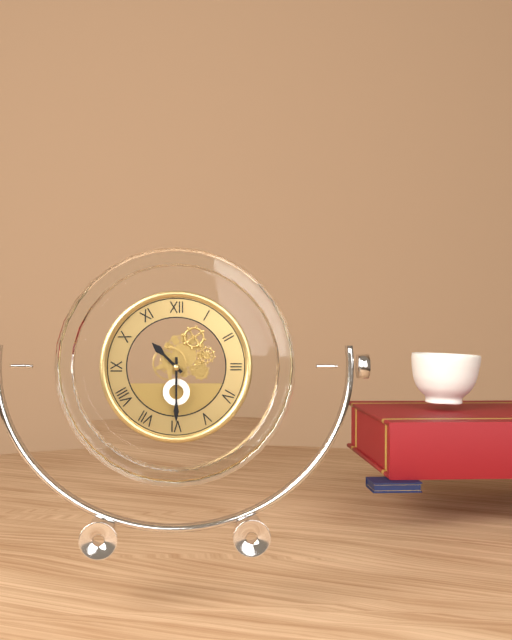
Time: **10:30**
